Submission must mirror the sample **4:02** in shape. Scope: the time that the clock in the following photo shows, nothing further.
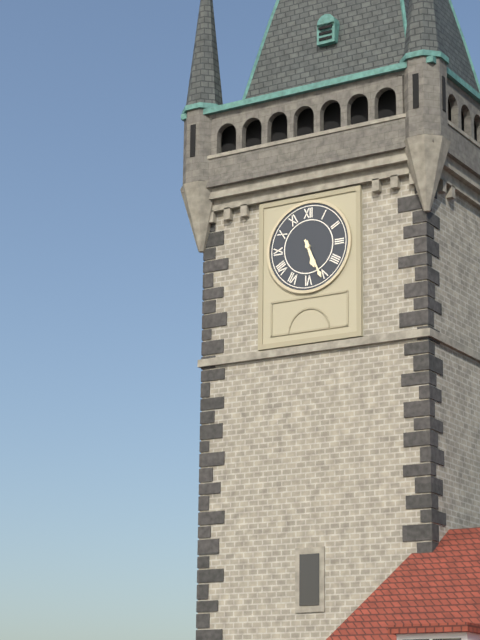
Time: **5:26**
